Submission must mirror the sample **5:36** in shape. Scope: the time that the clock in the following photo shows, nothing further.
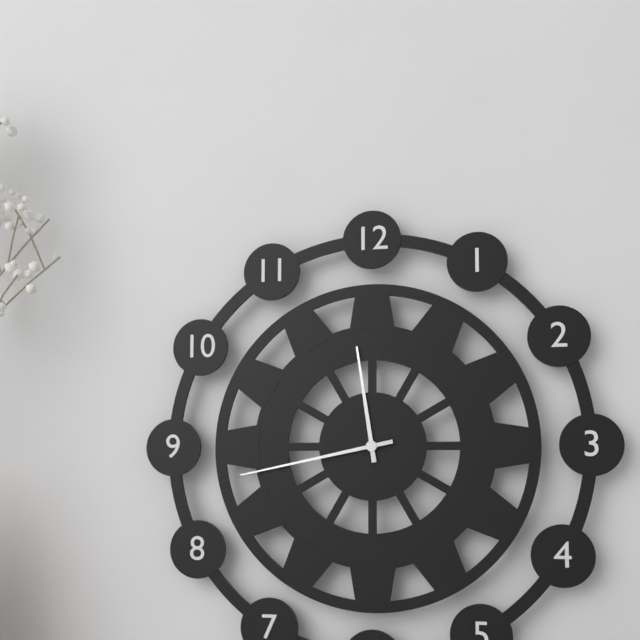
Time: **11:43**
